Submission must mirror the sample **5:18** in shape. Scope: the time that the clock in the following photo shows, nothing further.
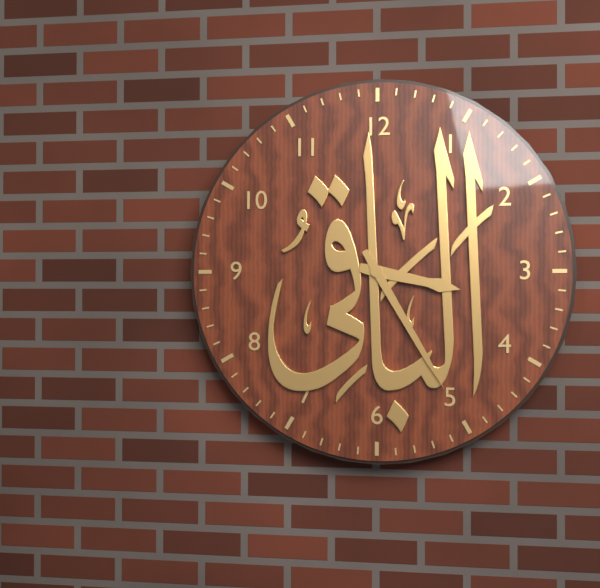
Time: **3:25**
